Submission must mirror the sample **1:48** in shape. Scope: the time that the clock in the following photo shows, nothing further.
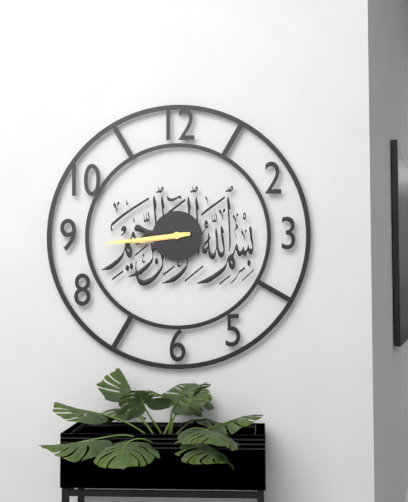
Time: **8:44**
